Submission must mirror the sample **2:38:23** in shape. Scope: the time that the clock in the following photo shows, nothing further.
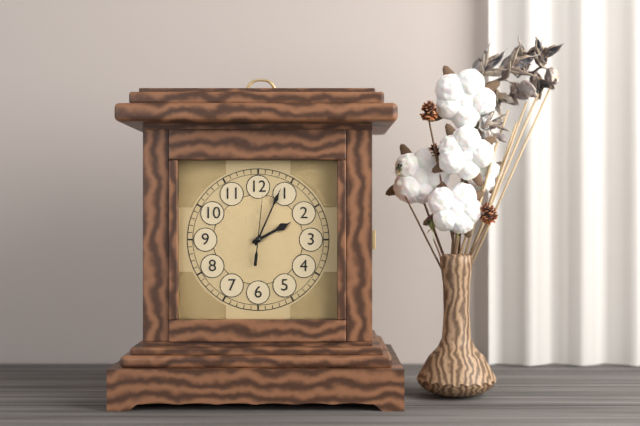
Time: **2:04:01**
